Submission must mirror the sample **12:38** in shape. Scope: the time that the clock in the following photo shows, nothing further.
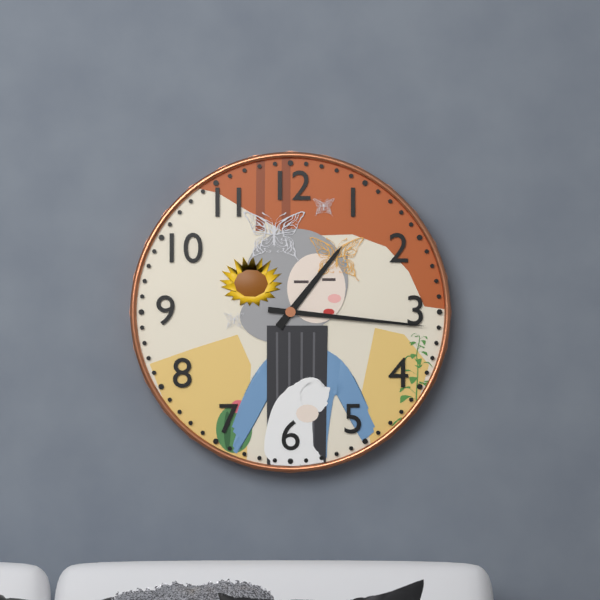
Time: **1:16**
